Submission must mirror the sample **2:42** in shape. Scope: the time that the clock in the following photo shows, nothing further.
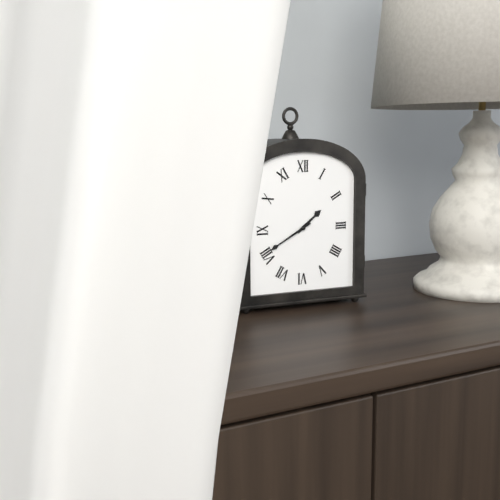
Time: **1:40**
